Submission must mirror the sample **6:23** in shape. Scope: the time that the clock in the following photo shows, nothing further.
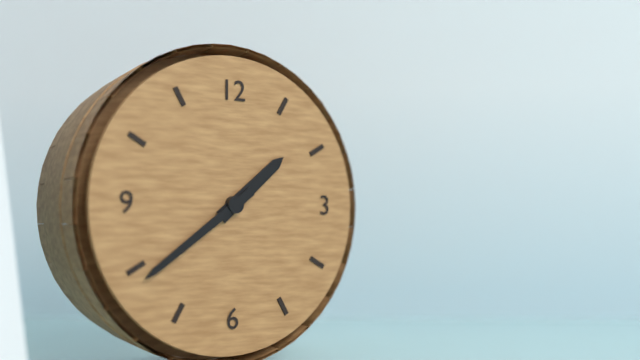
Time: **1:39**
